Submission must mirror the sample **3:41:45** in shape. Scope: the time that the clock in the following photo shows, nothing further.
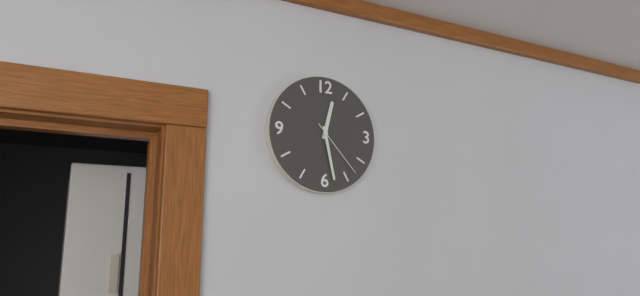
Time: **12:28:23**
